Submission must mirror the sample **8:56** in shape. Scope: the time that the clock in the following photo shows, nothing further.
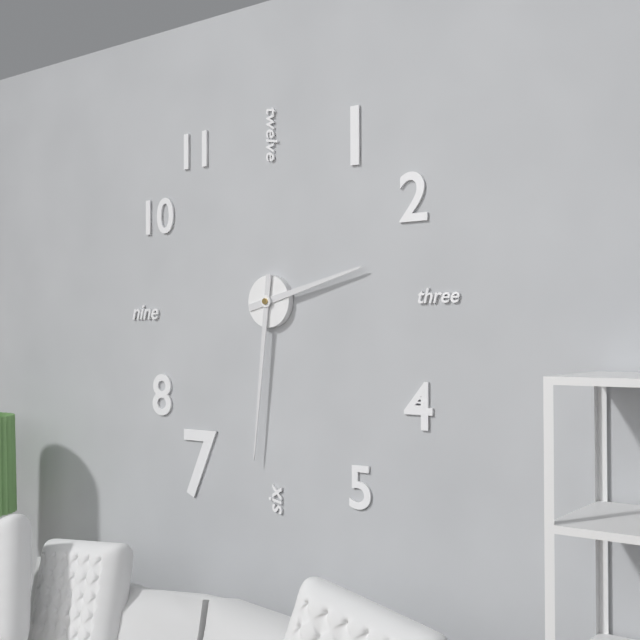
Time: **2:31**
